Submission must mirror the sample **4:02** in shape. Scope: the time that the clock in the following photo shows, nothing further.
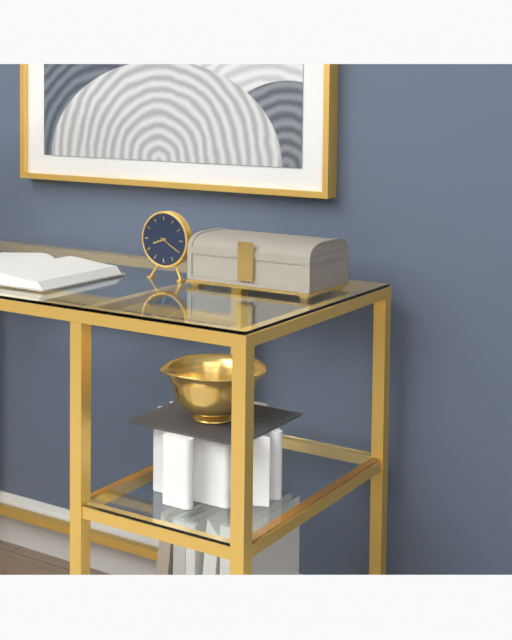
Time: **8:20**
